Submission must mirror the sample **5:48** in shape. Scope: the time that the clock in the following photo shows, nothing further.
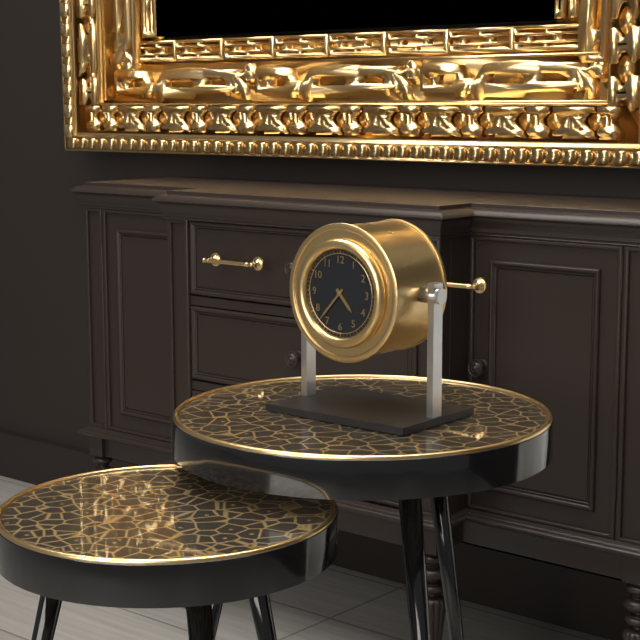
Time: **4:37**
